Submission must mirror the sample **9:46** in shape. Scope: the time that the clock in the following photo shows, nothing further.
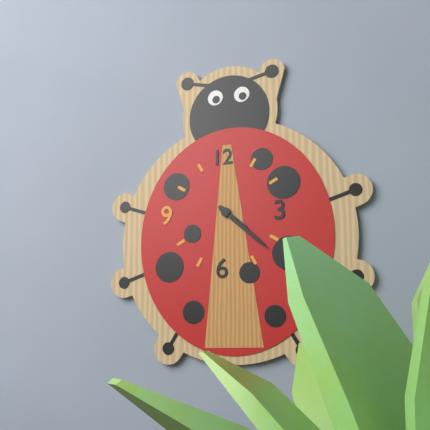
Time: **4:22**
